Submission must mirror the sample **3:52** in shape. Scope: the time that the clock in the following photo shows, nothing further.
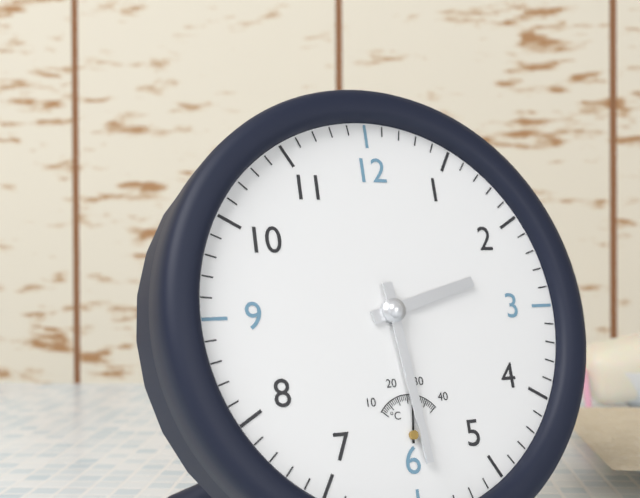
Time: **2:29**
